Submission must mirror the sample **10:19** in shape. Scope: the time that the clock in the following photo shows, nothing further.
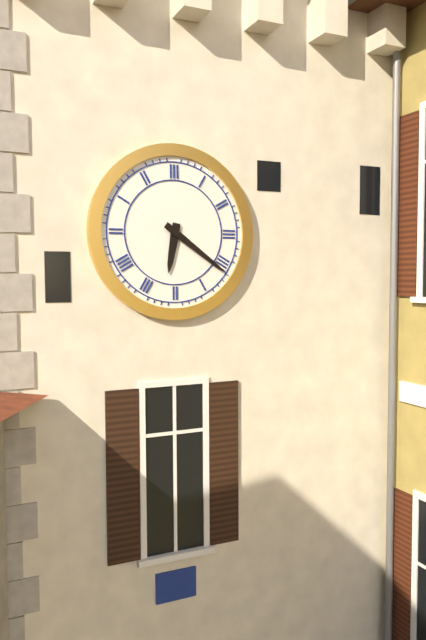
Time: **6:21**
